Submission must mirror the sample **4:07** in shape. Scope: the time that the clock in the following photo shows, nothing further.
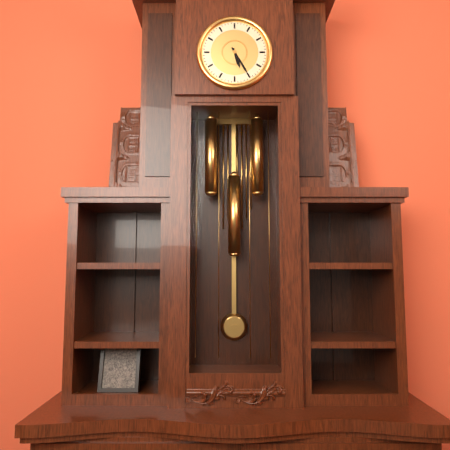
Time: **5:25**
